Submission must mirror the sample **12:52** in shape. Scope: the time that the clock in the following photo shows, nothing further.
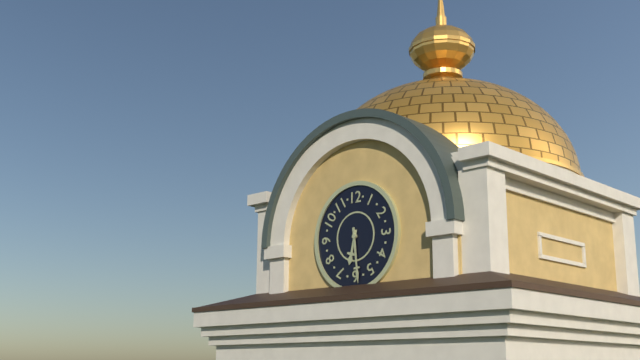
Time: **6:29**
